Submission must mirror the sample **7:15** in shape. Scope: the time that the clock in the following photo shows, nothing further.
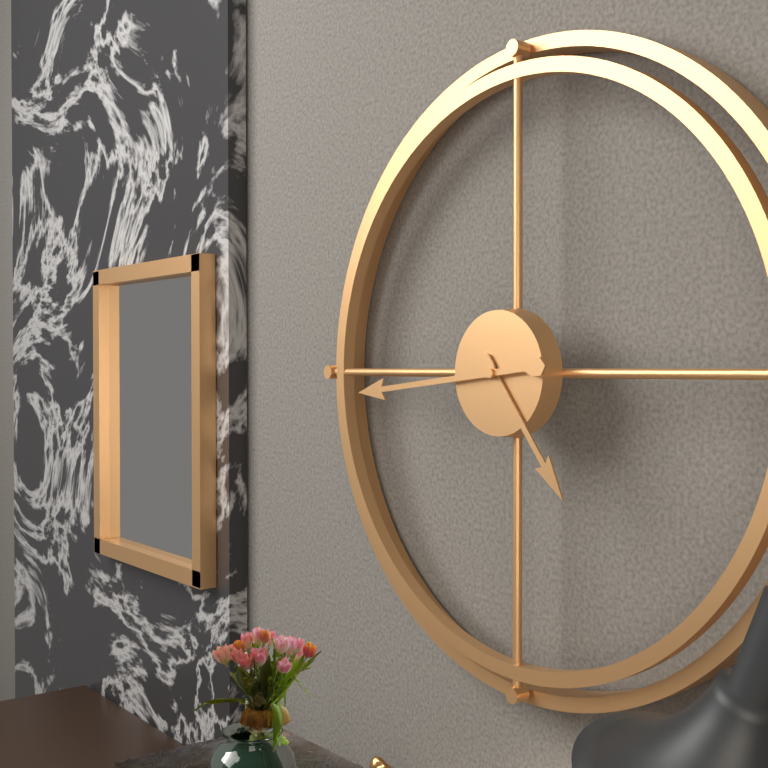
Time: **4:44**
